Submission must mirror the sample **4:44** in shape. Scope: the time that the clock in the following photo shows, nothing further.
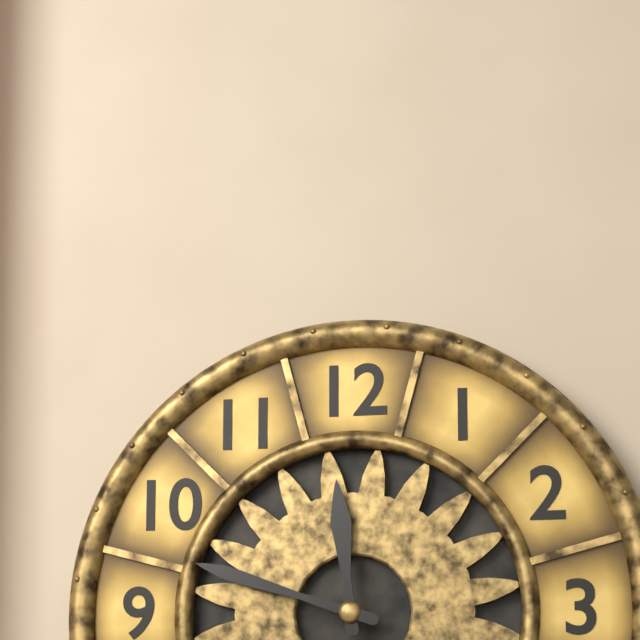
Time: **11:48**
